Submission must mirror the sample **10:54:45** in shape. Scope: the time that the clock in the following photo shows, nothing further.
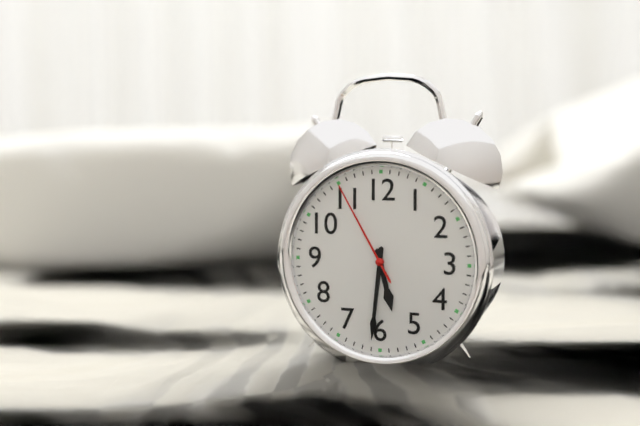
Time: **5:31:55**
